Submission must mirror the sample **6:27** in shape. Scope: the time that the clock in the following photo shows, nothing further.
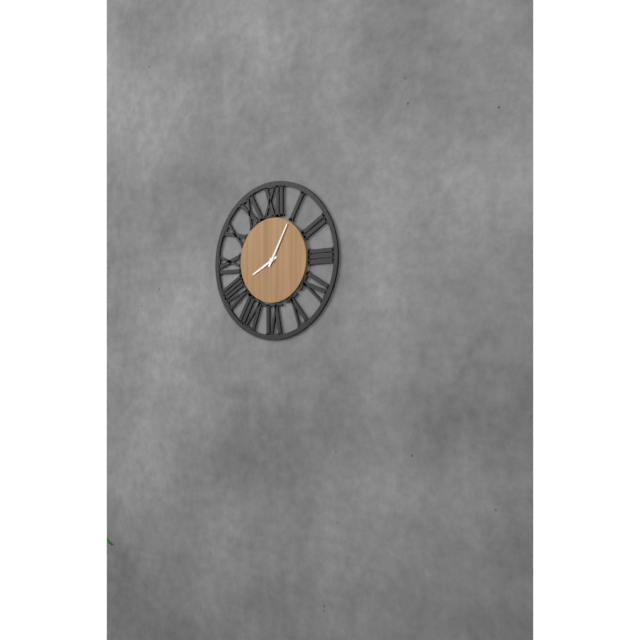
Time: **8:05**
